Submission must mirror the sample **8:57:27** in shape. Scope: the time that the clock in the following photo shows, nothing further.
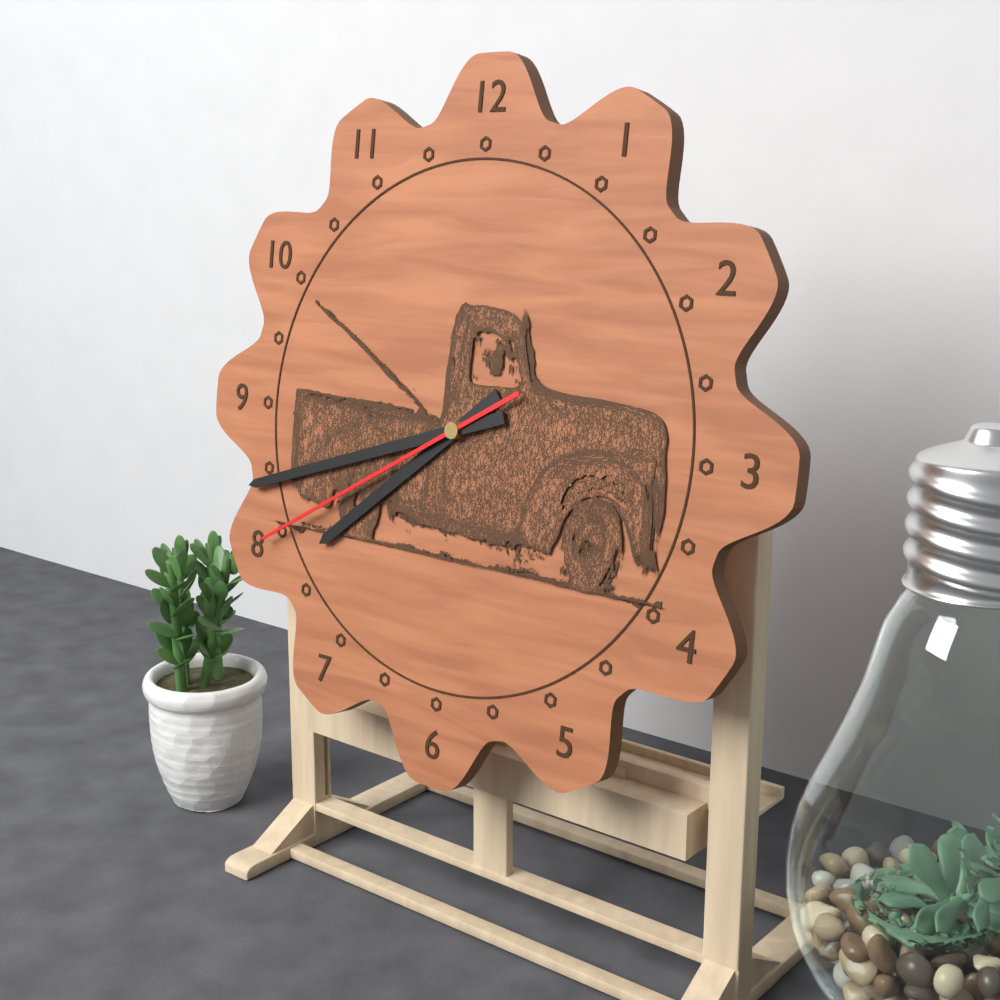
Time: **7:42:40**
